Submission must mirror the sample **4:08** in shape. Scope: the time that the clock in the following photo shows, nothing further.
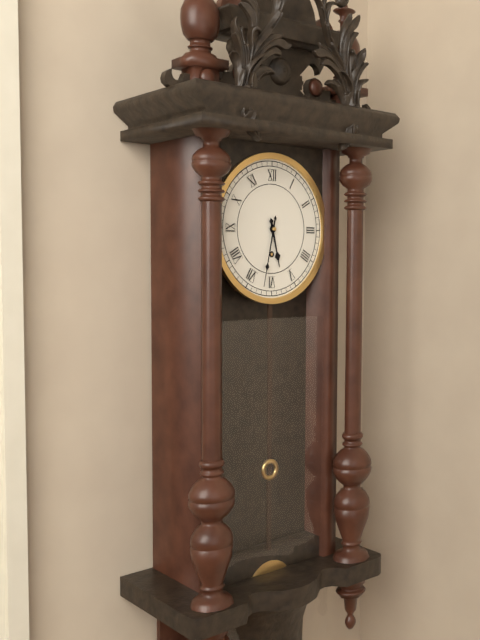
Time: **5:32**
